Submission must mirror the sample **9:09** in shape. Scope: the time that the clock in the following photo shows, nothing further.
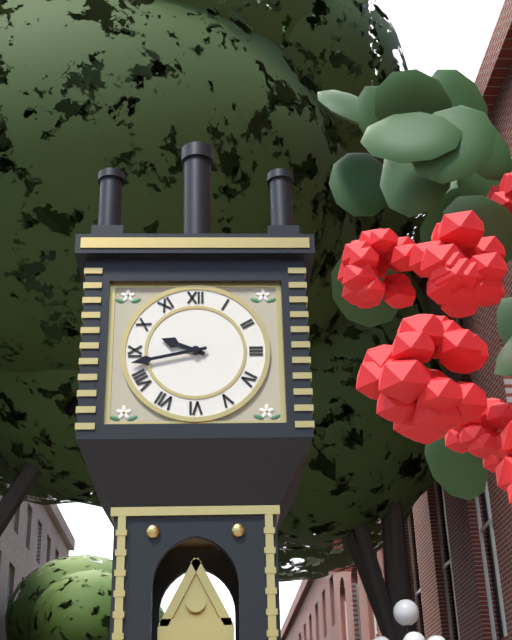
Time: **9:43**
